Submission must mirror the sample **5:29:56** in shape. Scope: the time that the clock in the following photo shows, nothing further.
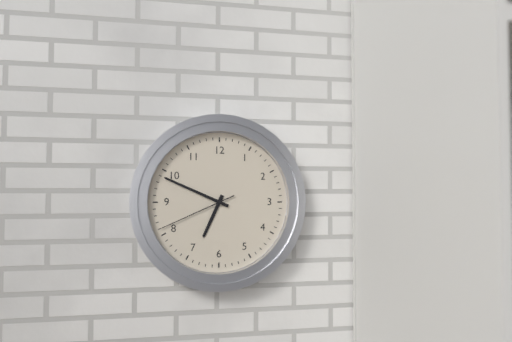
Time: **6:49:41**
